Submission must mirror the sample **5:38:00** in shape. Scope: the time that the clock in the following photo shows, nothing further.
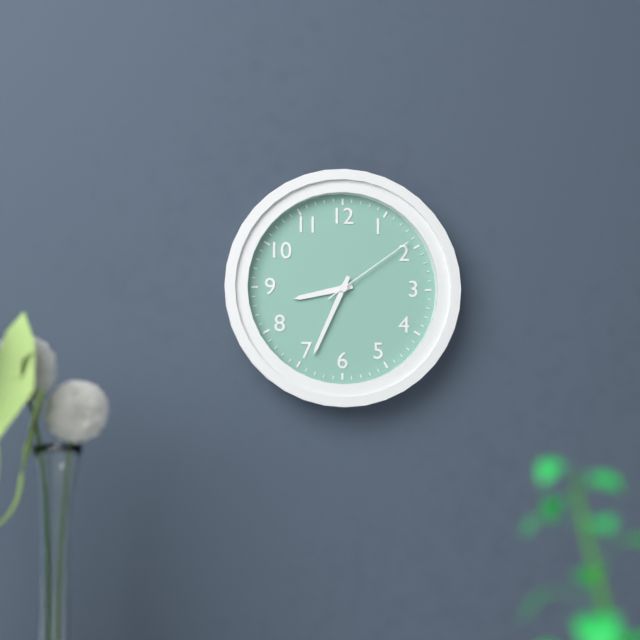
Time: **8:34:09**
